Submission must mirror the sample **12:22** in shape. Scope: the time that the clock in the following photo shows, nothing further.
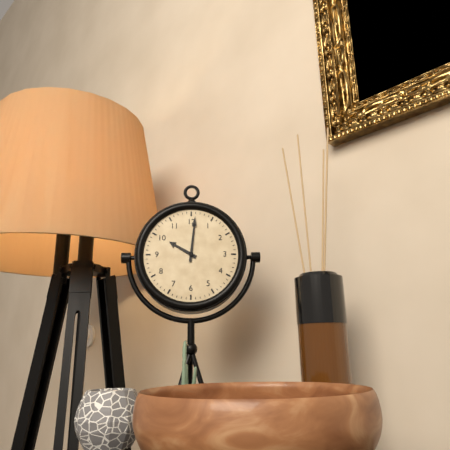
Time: **10:01**
